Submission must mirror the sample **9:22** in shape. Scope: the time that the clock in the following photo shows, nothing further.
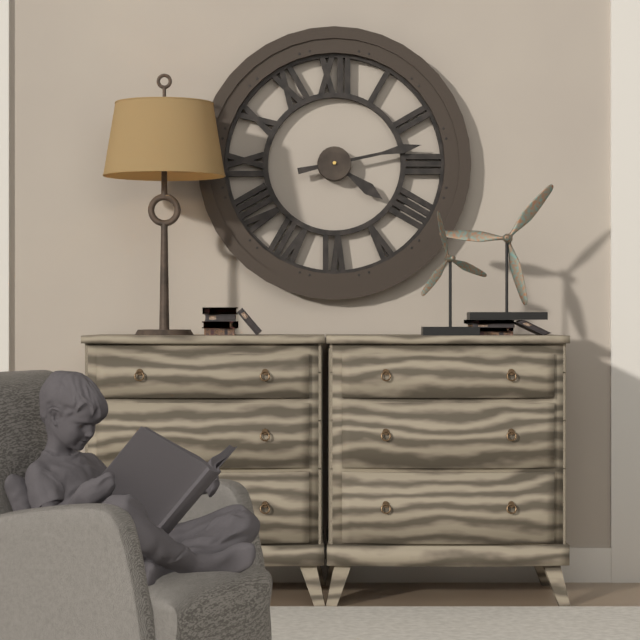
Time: **4:13**
